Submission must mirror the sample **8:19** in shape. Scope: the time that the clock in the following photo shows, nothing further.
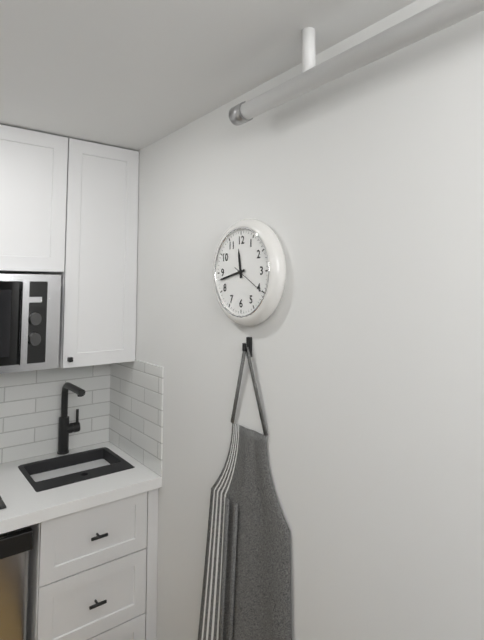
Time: **11:43**
